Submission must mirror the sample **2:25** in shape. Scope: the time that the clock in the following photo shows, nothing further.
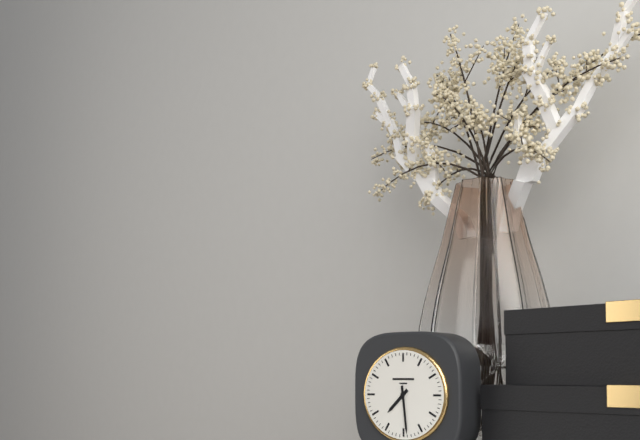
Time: **7:29**
